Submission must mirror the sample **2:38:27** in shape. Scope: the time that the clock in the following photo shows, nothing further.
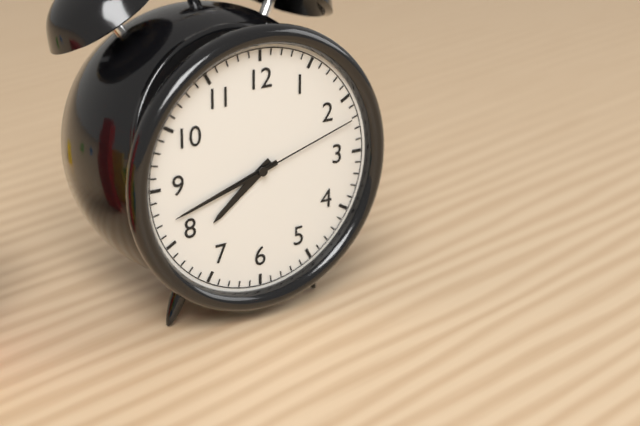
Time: **7:42:12**
